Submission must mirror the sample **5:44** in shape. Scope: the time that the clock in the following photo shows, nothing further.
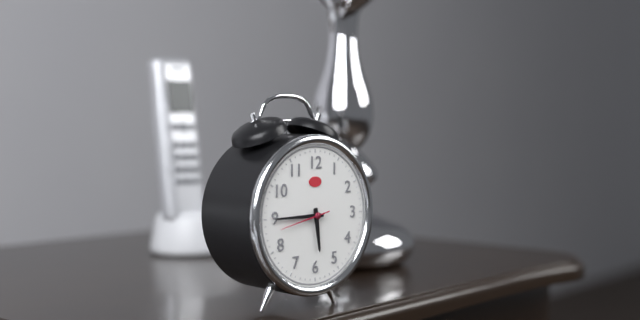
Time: **5:45**
